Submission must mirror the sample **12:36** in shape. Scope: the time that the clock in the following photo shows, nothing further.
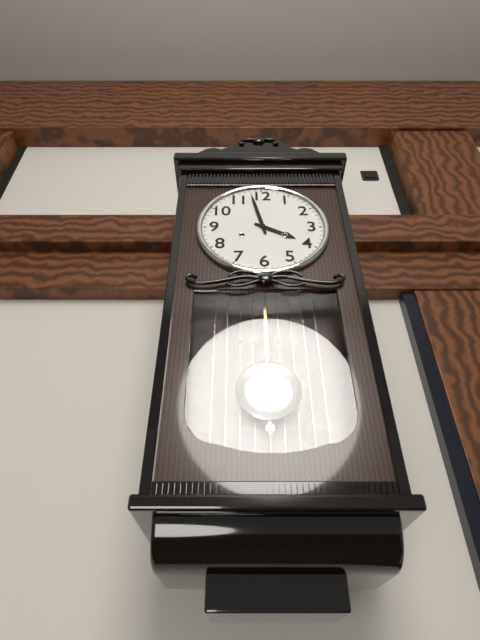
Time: **3:58**
